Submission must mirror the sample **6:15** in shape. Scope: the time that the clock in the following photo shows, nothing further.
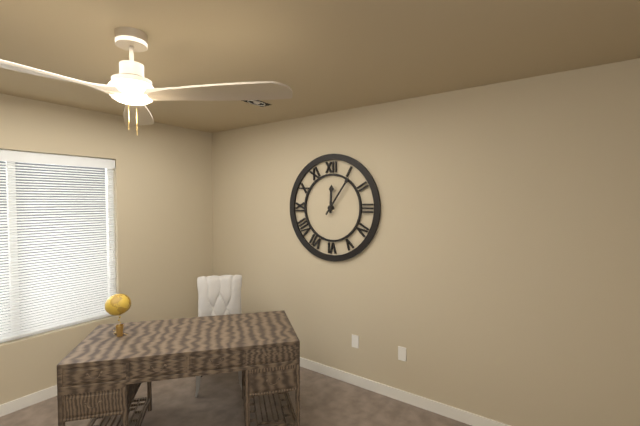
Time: **12:06**
